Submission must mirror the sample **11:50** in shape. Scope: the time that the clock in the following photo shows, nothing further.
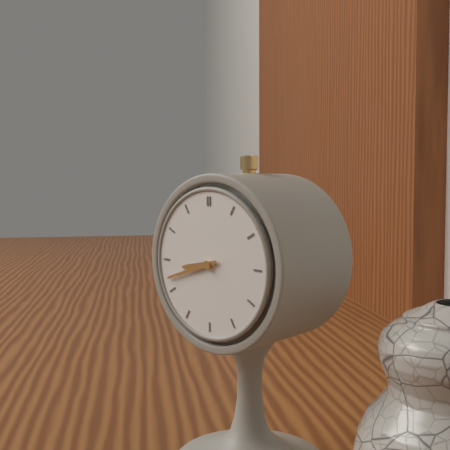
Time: **8:42**
